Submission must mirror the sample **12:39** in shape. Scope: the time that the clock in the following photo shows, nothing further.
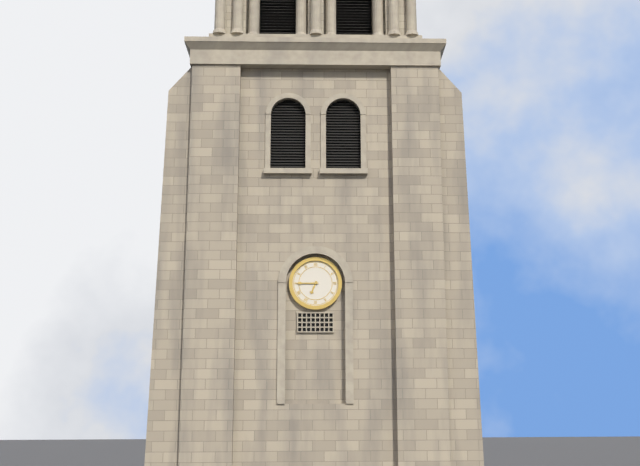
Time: **6:45**
